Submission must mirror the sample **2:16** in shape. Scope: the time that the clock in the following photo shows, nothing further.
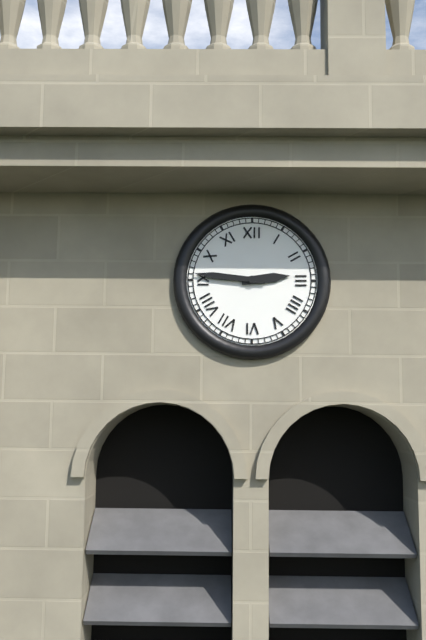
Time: **2:46**
